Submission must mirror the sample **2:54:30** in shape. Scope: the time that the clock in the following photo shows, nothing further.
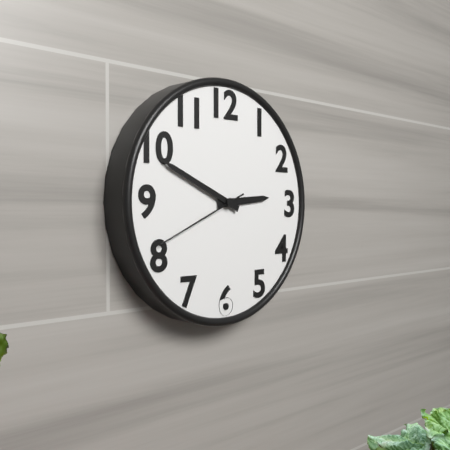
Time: **2:49:41**
